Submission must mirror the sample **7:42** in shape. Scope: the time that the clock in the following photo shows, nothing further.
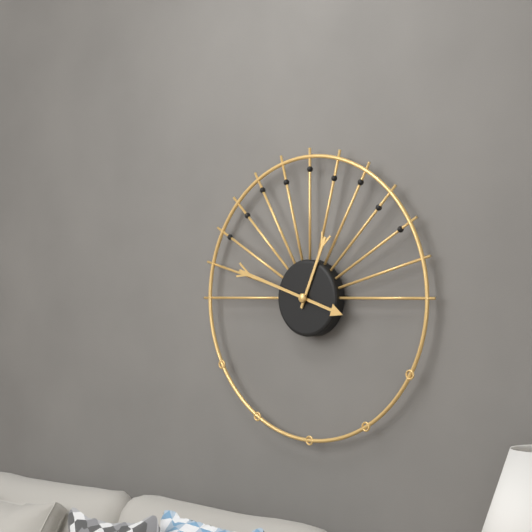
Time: **12:48**
